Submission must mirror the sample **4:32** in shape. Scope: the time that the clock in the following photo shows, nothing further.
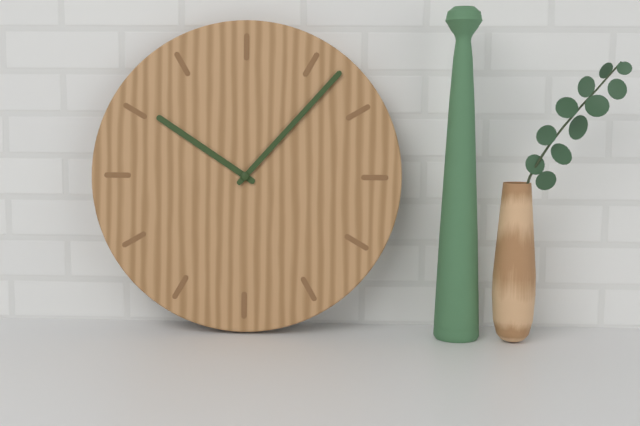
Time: **10:07**
